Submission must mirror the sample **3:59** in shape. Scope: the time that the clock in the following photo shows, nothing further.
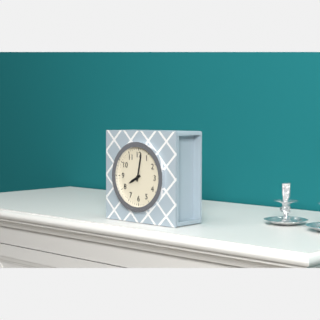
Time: **8:02**
